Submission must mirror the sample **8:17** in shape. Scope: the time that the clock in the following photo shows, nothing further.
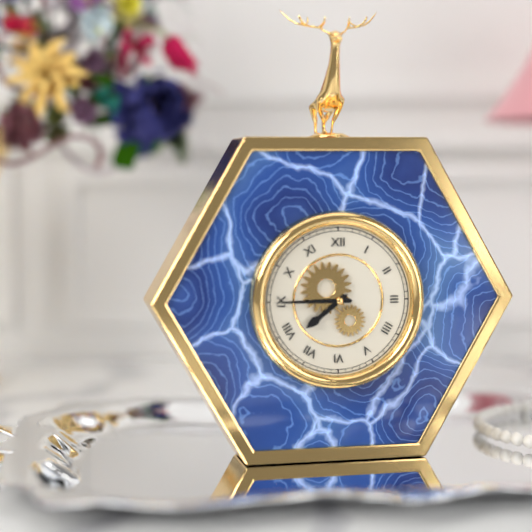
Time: **7:45**
